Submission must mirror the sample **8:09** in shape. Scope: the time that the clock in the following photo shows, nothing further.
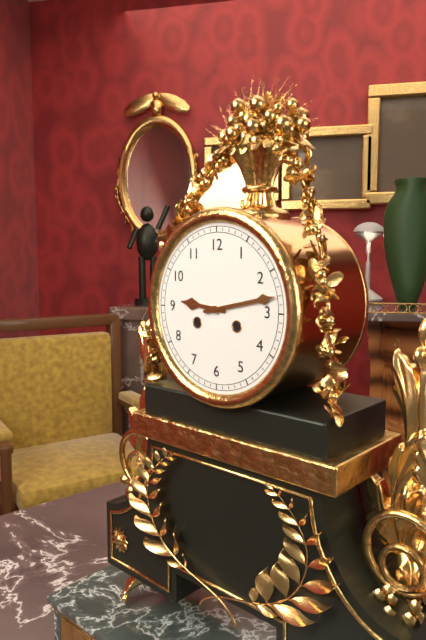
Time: **9:13**
